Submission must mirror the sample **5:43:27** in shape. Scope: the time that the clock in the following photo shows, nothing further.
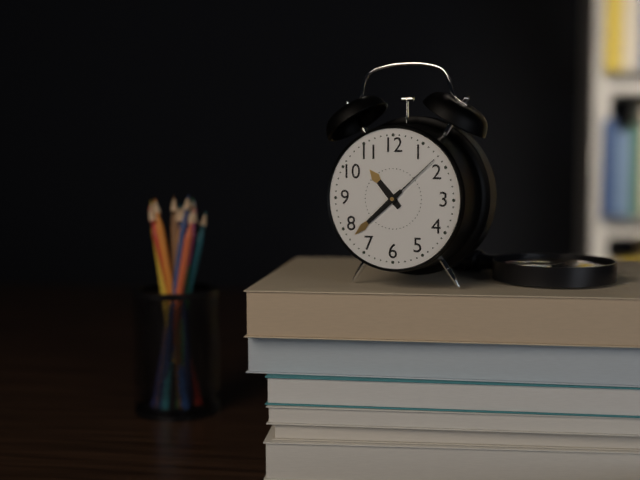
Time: **10:38:08**
